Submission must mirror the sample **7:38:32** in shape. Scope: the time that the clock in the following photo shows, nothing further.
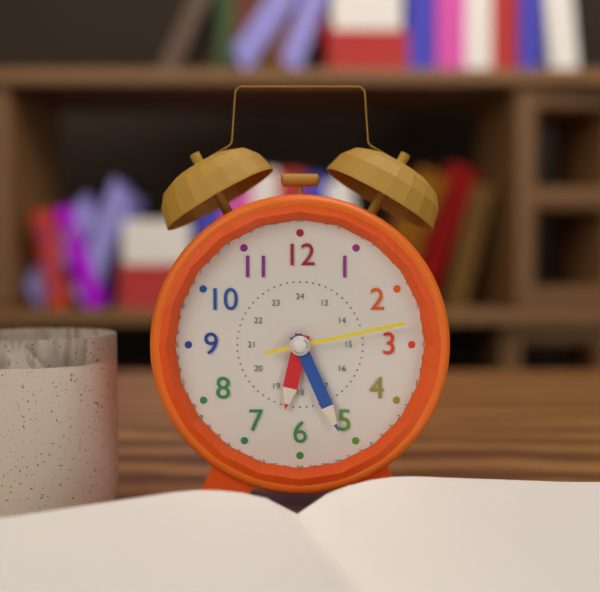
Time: **6:26:13**
